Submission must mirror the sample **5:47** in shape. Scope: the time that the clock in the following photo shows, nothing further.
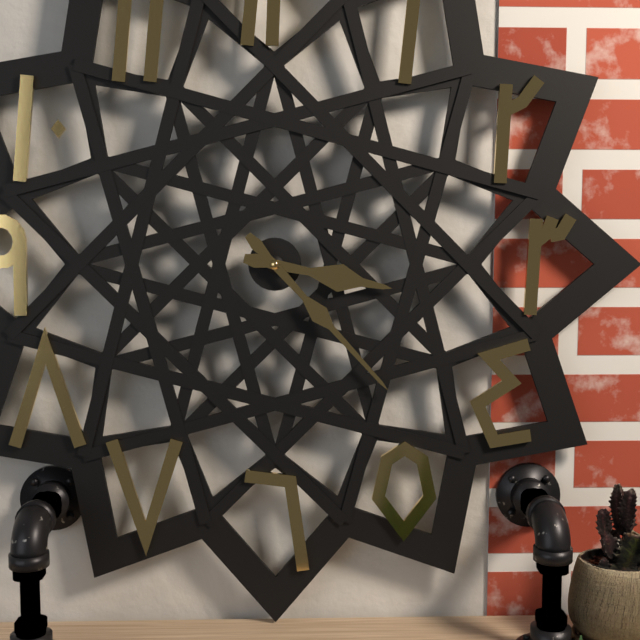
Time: **3:23**
